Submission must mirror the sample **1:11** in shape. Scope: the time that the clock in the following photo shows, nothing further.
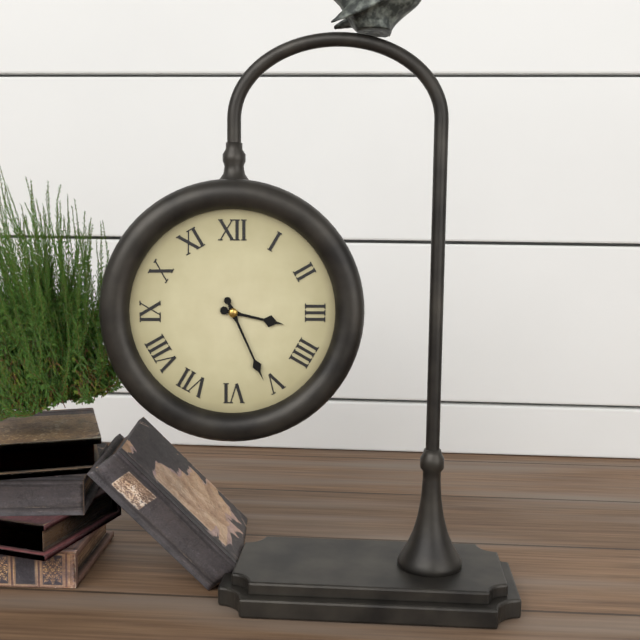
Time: **3:26**
